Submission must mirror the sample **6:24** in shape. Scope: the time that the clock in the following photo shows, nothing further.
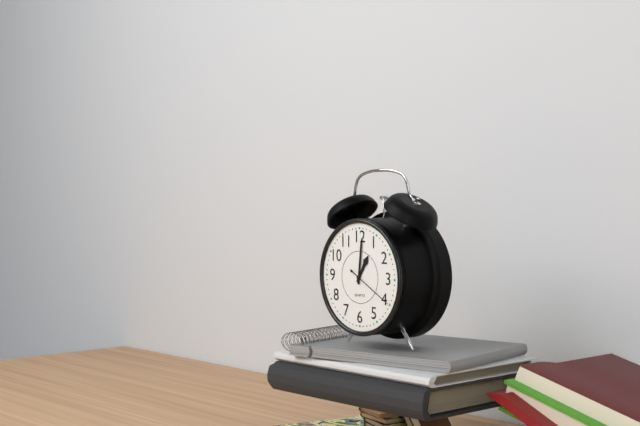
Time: **1:01**
